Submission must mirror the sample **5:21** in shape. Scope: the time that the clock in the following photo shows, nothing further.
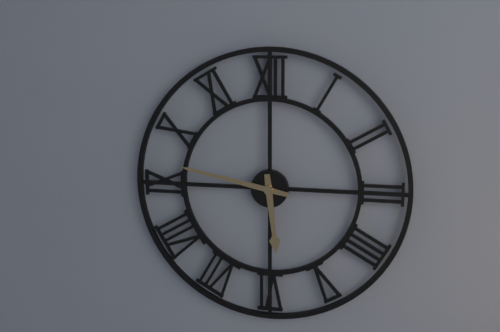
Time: **5:47**
